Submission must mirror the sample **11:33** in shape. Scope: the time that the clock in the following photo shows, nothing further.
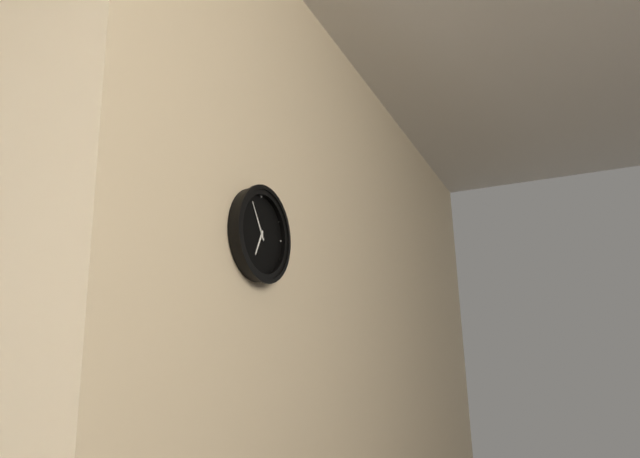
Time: **6:55**
